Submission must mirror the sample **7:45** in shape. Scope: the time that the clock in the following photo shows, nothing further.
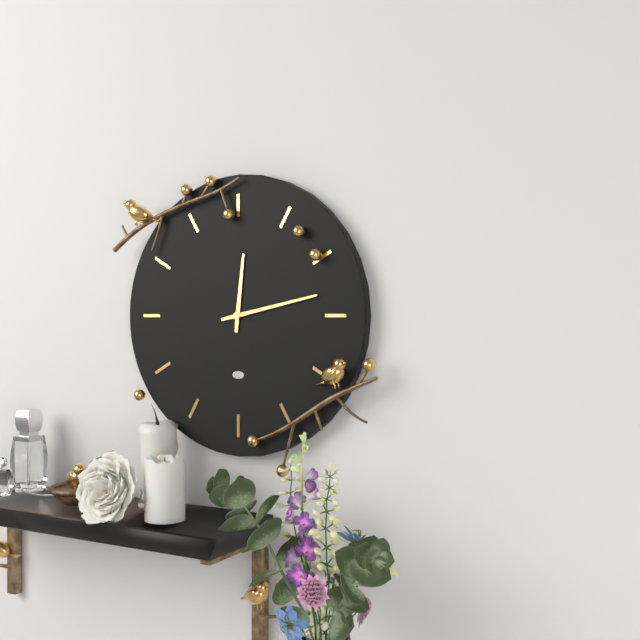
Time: **12:13**
